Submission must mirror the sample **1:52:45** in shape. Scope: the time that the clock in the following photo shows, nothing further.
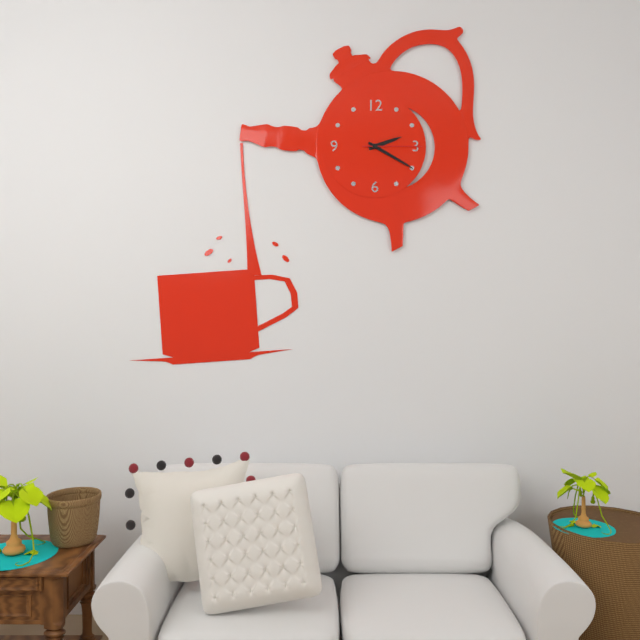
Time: **2:20:15**
